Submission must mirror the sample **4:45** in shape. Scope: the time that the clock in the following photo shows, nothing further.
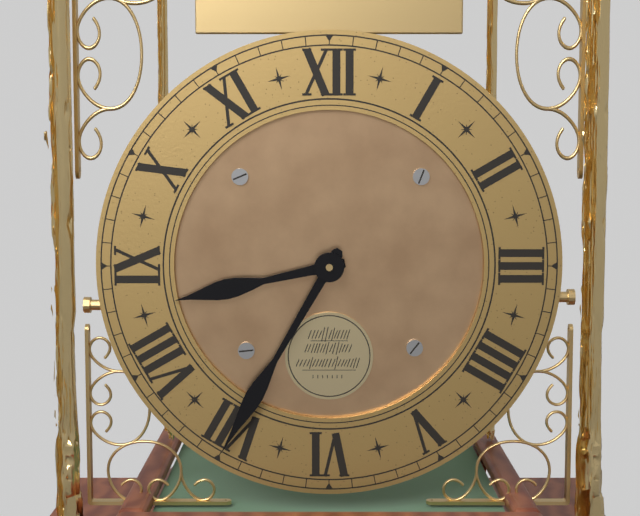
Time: **8:35**
